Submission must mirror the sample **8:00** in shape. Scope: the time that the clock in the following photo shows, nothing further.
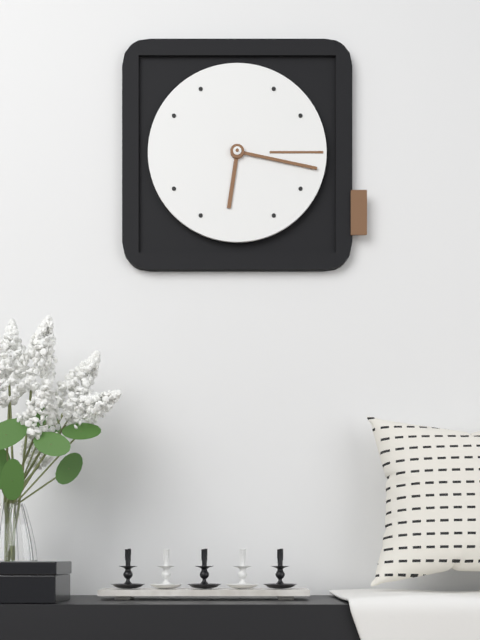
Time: **6:17**
